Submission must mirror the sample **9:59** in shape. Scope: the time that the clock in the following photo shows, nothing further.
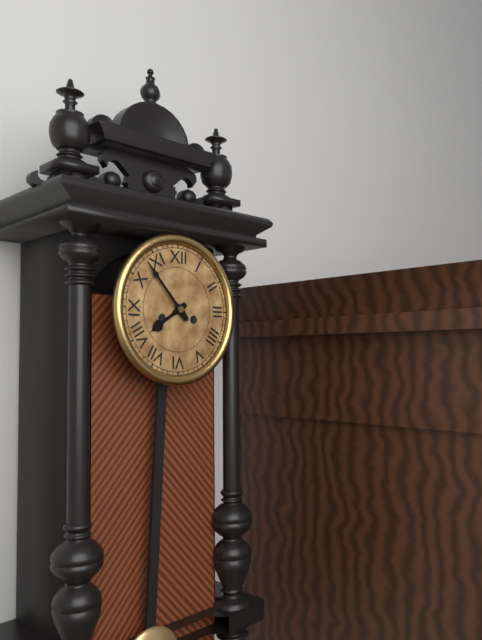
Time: **7:53**
